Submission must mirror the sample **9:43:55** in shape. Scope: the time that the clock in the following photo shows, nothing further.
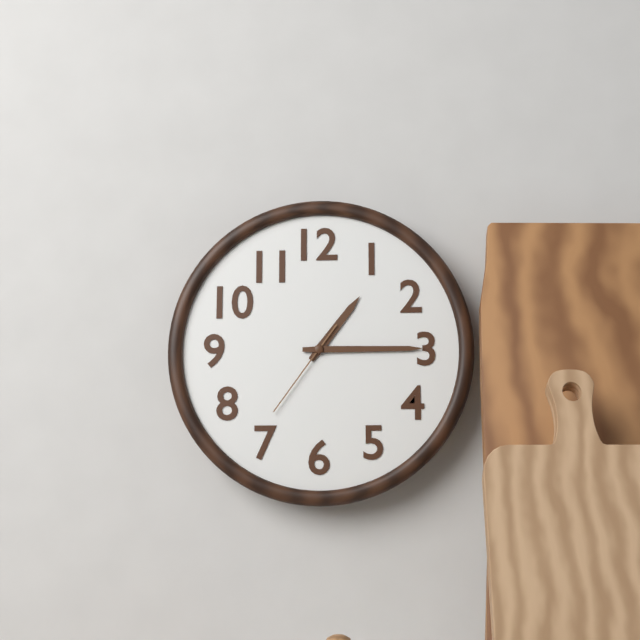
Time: **1:15:36**
